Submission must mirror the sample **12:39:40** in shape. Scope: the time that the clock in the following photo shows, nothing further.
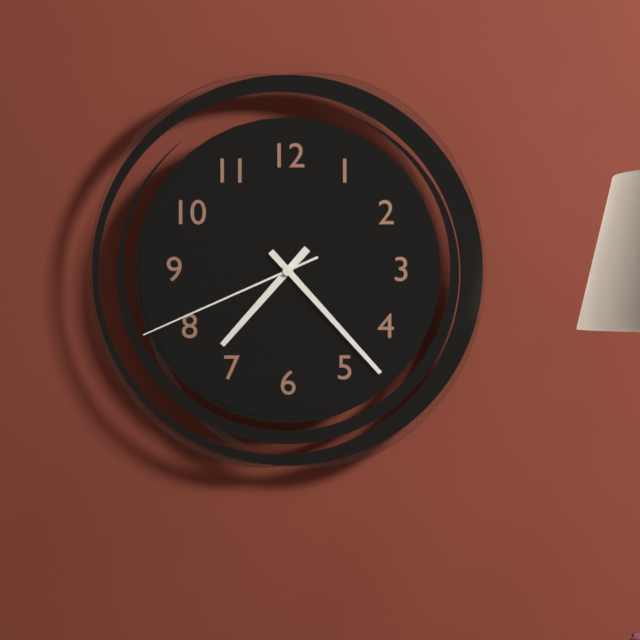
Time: **7:23:41**
